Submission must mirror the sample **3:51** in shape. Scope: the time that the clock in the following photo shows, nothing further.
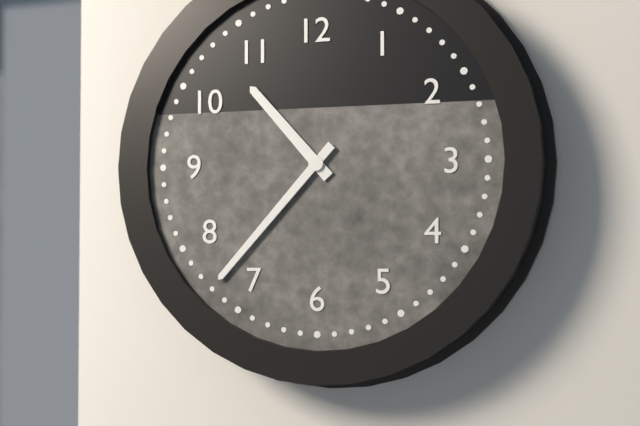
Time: **10:37**
